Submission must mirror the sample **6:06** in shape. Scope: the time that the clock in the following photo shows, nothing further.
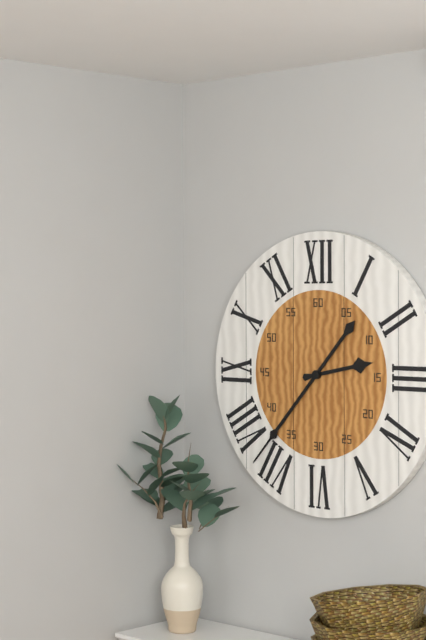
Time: **2:37**
